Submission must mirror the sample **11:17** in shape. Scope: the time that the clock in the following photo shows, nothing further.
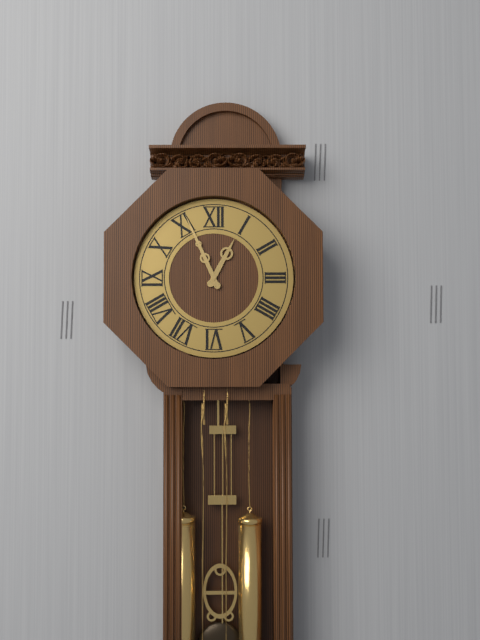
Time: **12:56**
